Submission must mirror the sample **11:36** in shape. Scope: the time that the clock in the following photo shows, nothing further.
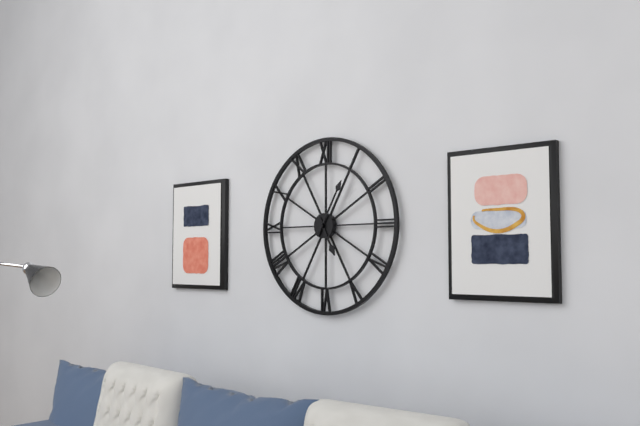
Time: **5:05**
